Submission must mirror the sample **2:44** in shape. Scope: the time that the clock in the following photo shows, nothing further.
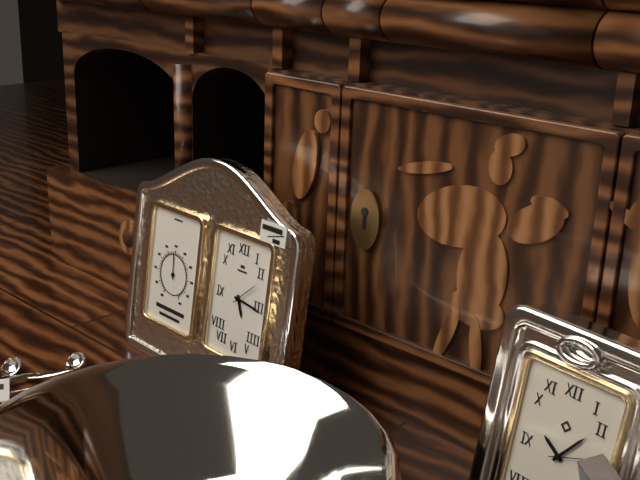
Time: **5:16**
